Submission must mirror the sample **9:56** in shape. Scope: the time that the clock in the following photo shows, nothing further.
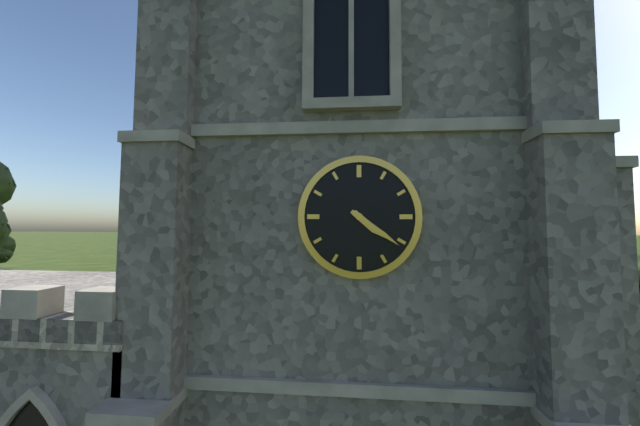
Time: **4:21**
